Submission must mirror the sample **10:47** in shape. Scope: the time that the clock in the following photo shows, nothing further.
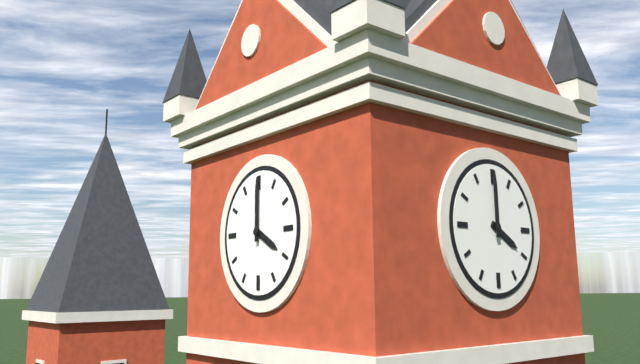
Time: **4:00**
